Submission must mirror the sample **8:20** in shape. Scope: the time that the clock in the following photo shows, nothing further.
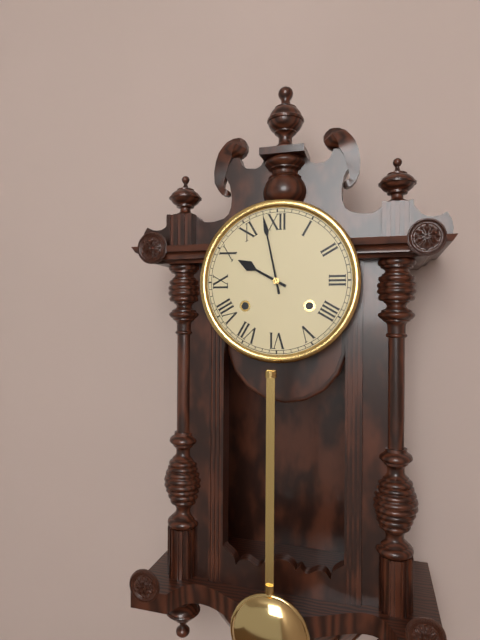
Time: **9:58**
